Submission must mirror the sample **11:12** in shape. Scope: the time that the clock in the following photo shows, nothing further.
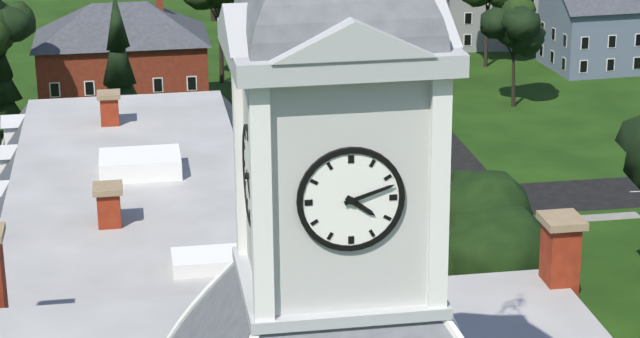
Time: **4:12**
